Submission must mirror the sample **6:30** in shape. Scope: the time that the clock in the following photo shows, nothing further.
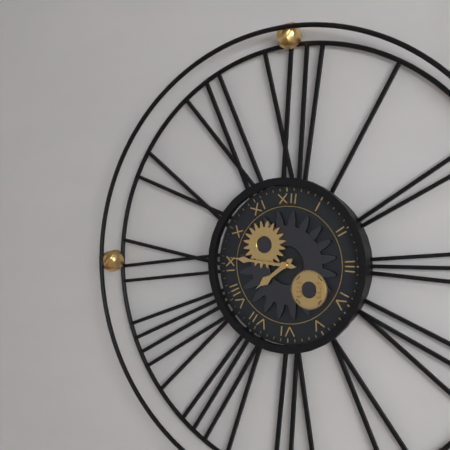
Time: **7:46**
